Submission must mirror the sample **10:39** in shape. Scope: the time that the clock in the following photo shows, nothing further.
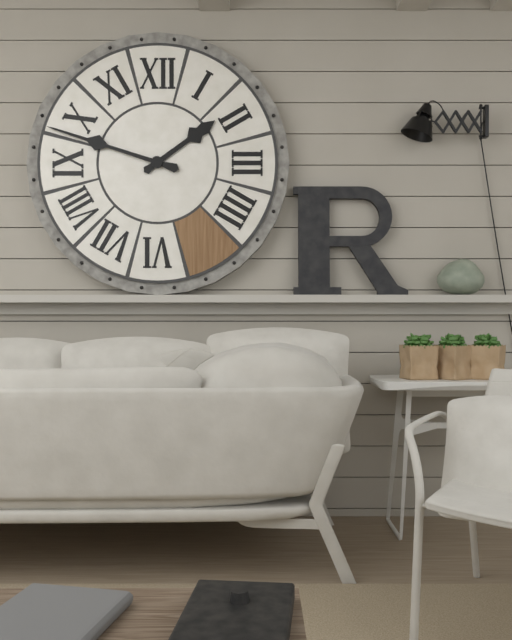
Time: **1:48**
